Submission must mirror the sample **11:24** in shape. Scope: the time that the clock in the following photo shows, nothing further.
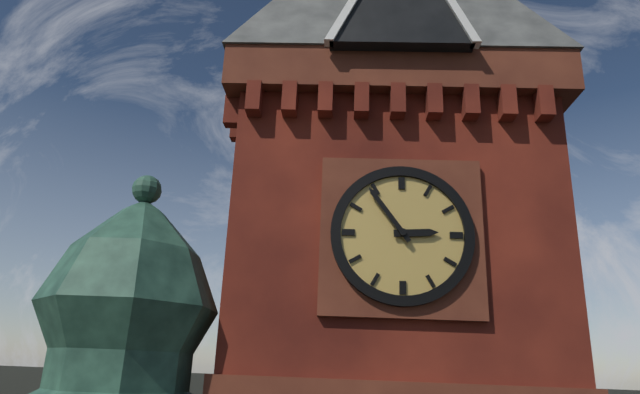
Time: **2:54**
